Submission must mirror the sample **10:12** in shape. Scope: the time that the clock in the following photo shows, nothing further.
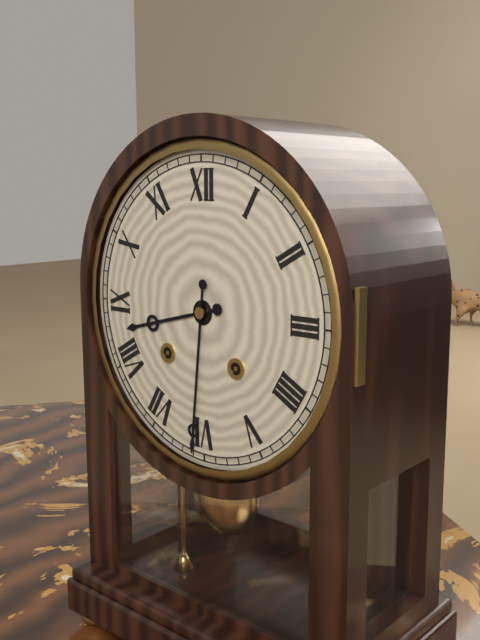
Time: **8:31**
